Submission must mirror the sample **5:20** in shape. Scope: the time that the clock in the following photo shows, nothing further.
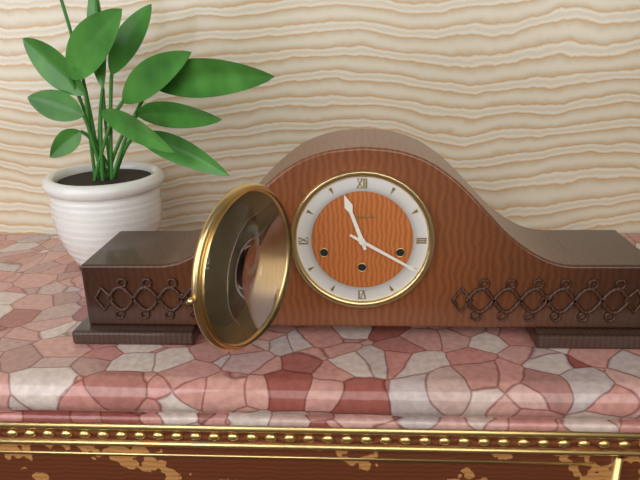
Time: **11:20**
